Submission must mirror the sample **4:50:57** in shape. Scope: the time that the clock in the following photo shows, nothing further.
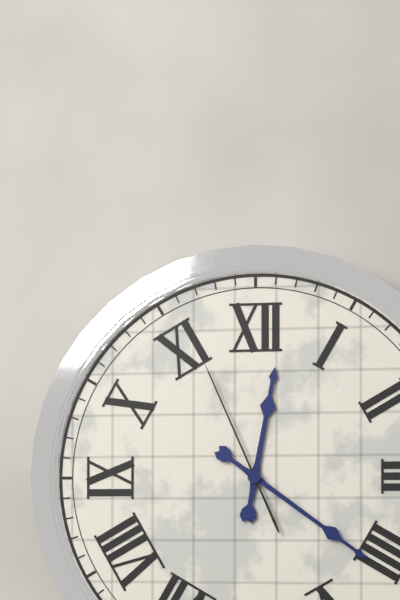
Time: **12:21:56**
